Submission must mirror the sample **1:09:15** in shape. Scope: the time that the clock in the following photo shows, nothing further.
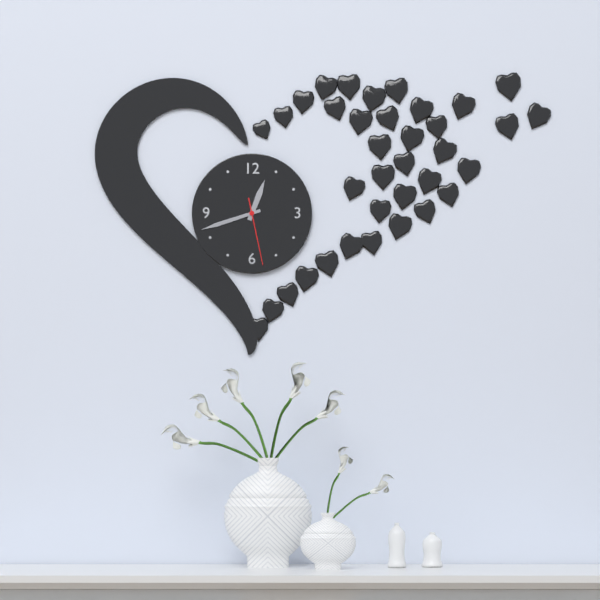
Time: **12:42:28**
